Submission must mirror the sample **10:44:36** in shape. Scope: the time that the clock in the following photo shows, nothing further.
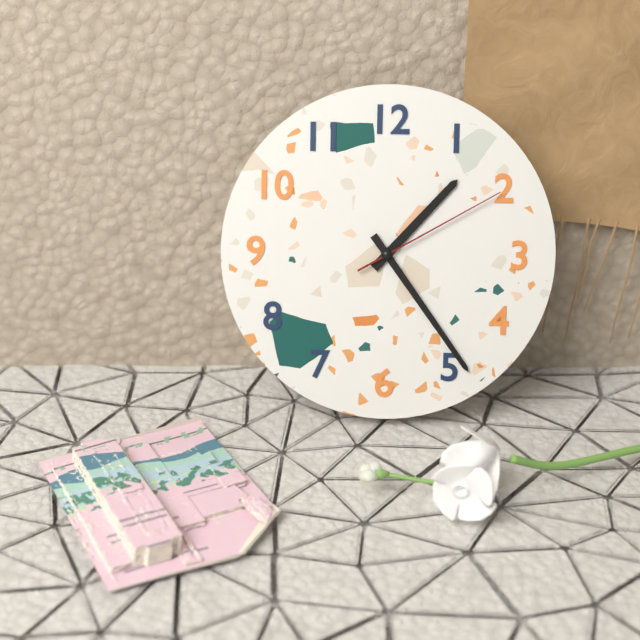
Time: **1:24:10**
